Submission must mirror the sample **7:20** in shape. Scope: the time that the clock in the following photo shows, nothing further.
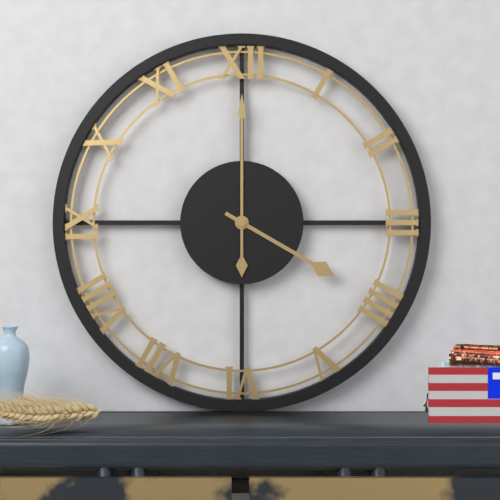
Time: **4:00**
